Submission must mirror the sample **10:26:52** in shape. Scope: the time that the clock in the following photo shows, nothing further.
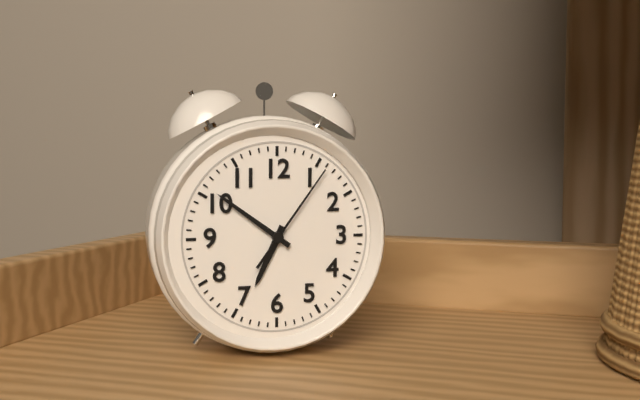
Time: **6:51:06**
